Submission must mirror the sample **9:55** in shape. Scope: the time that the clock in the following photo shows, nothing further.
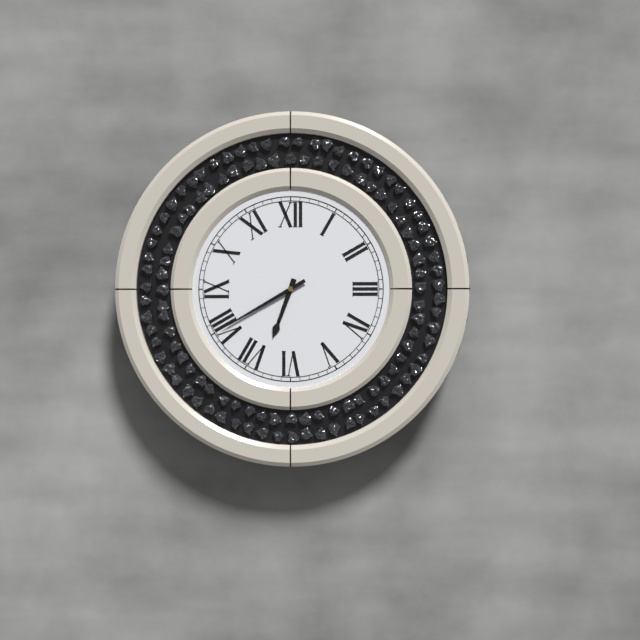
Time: **6:40**
